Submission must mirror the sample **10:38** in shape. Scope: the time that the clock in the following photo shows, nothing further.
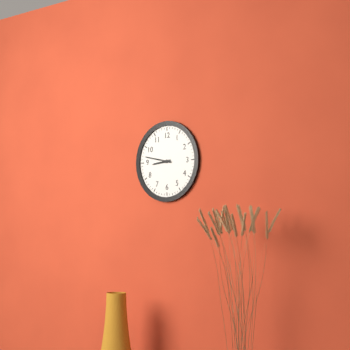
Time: **8:47**
